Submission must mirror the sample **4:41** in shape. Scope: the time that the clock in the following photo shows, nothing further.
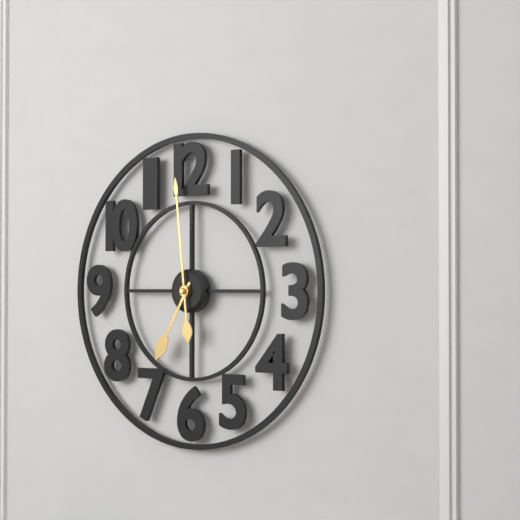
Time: **6:59**
